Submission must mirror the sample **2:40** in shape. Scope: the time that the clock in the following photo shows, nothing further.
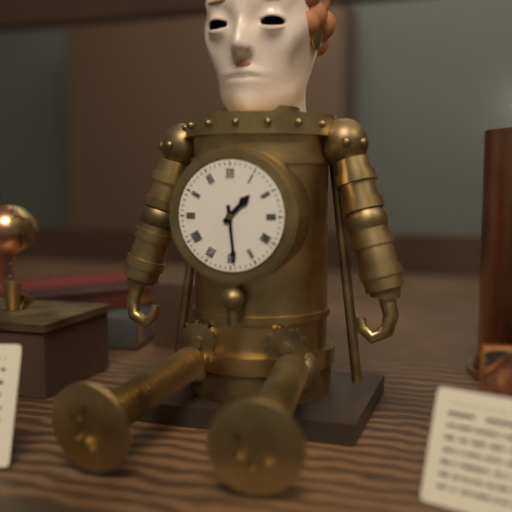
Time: **1:29**
